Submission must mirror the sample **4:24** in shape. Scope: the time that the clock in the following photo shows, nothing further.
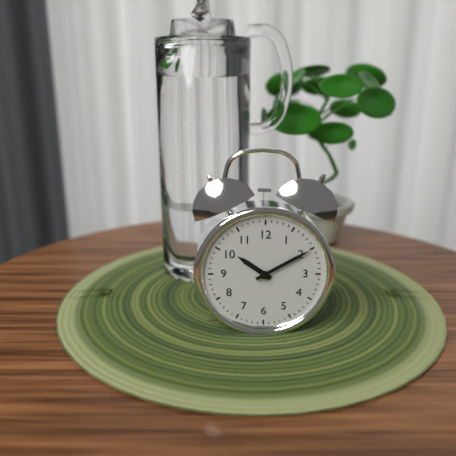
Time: **10:10**
